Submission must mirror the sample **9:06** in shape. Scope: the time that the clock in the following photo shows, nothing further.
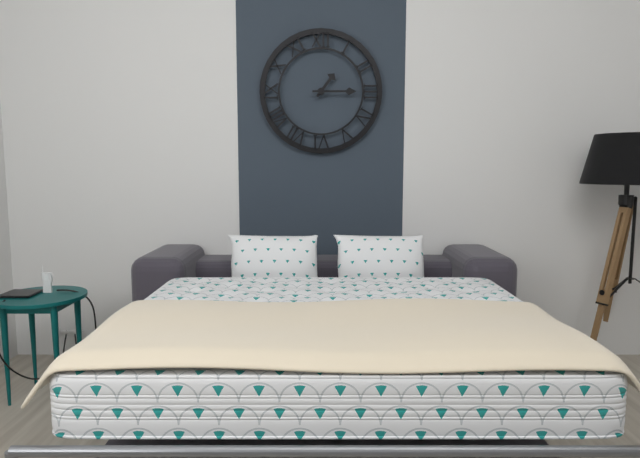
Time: **1:15**
